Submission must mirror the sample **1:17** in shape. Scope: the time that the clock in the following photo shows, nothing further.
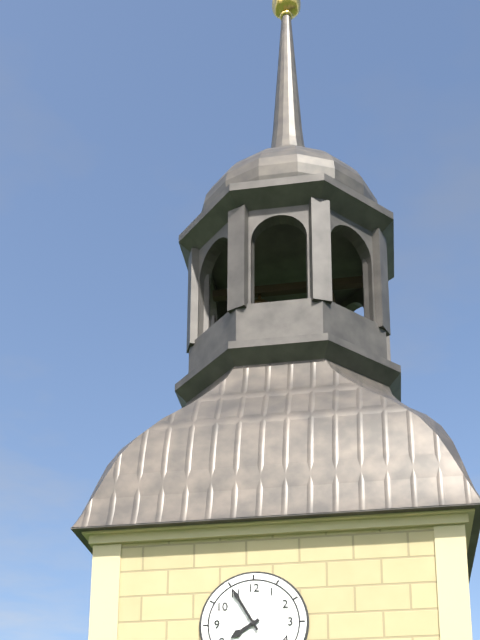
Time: **7:55**
